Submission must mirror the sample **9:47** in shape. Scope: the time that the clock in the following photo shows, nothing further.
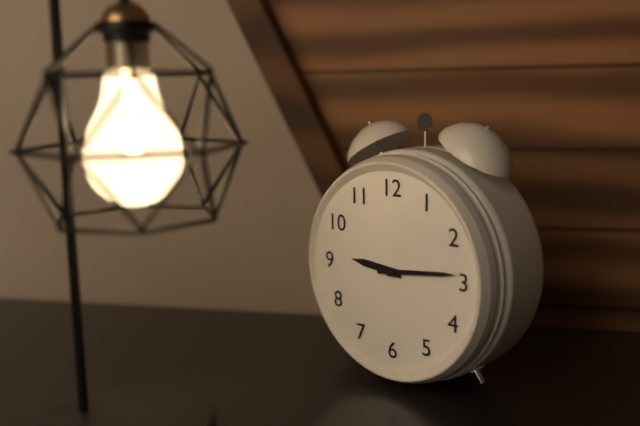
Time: **9:14**
